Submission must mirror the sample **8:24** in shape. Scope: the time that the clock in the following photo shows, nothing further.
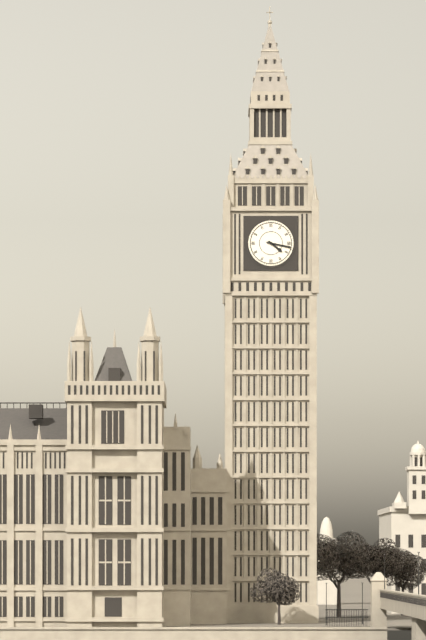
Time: **4:17**
